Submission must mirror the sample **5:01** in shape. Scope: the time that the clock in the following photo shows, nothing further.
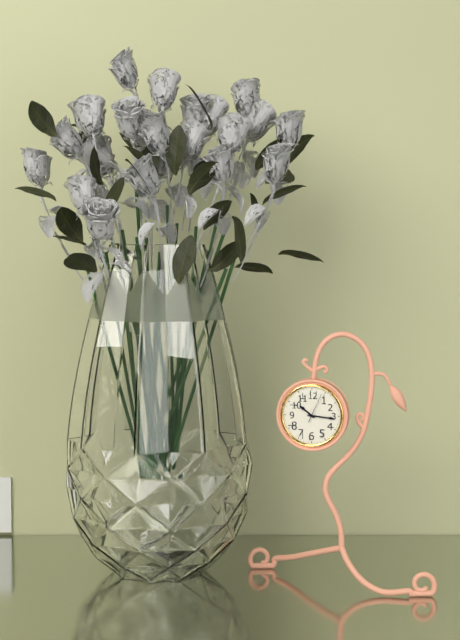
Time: **10:16**
